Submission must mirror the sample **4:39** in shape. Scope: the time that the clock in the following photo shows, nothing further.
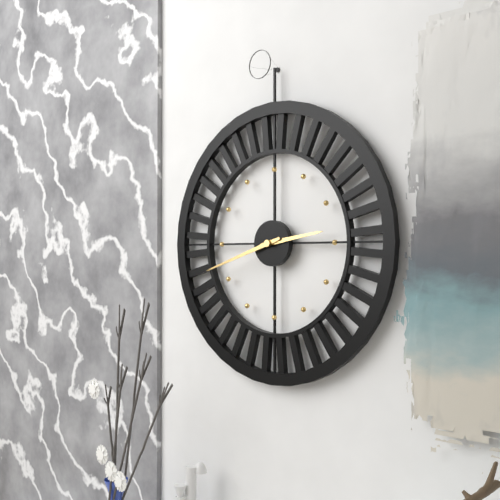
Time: **2:42**
